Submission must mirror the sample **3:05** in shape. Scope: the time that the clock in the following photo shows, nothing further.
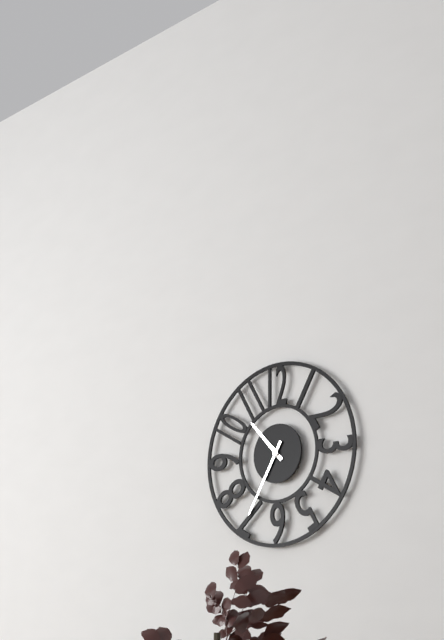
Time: **10:35**
